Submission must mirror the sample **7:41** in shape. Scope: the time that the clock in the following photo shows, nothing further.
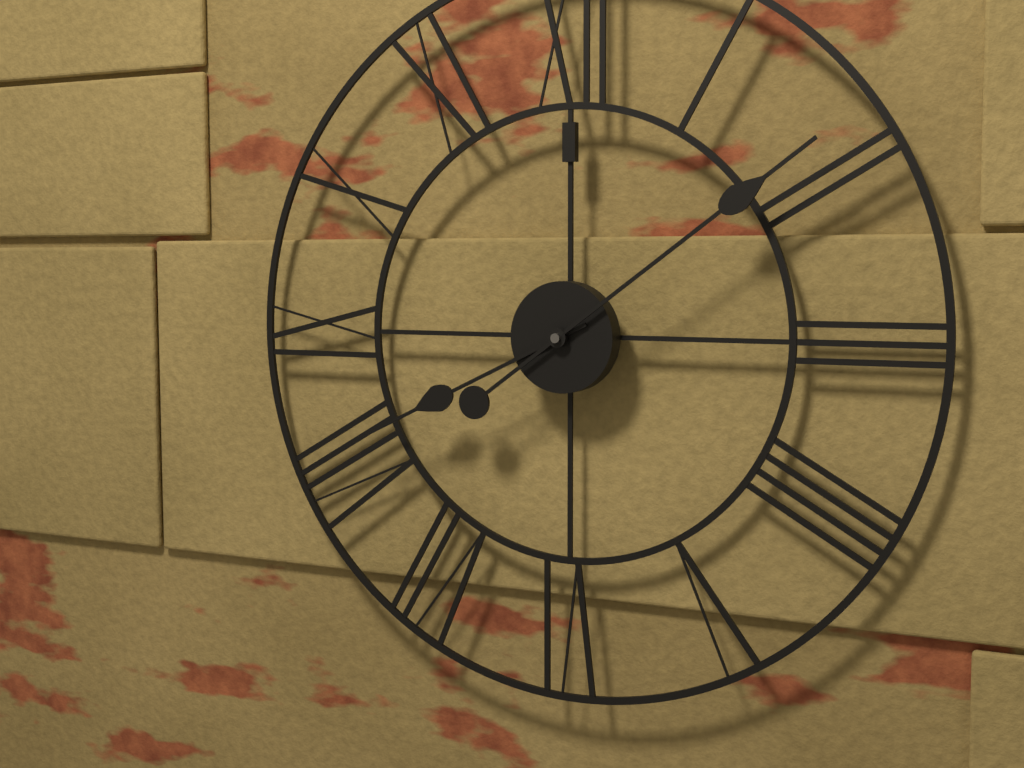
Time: **8:09**
